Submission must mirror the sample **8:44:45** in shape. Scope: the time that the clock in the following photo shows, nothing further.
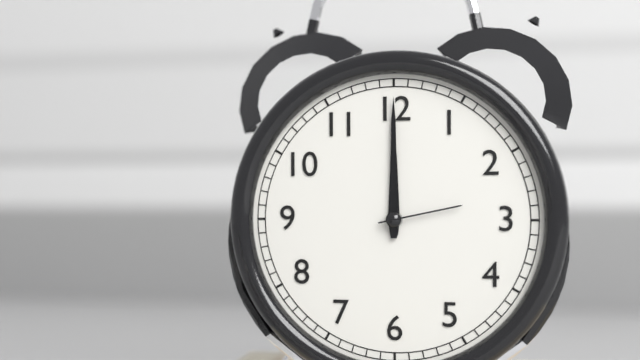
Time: **12:00:13**
